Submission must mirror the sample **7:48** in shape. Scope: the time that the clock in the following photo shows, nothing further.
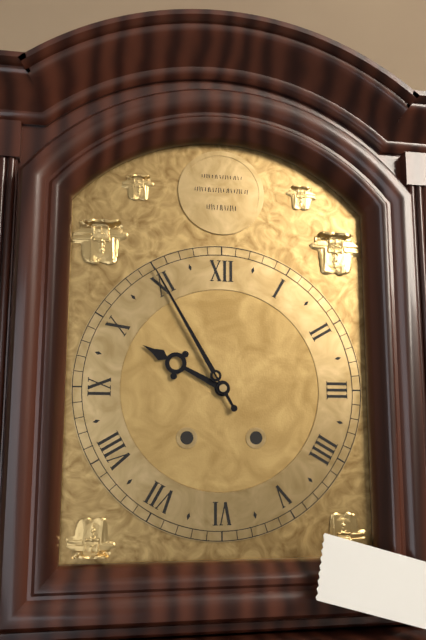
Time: **9:55**
